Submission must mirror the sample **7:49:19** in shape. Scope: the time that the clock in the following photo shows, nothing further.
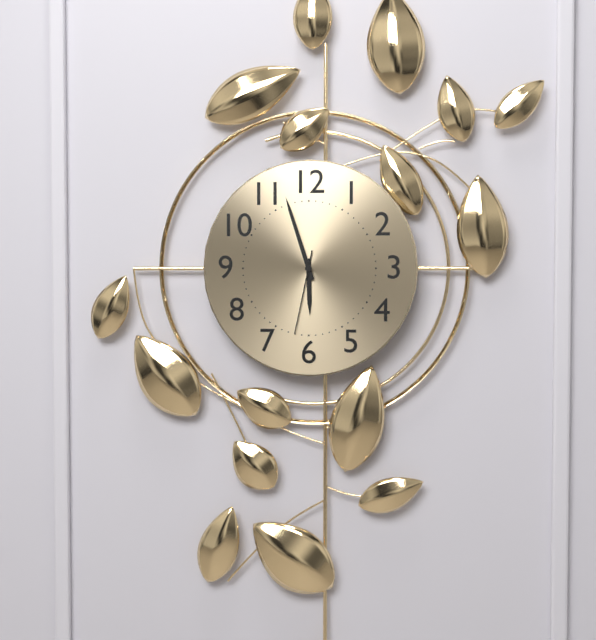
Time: **5:57:32**
